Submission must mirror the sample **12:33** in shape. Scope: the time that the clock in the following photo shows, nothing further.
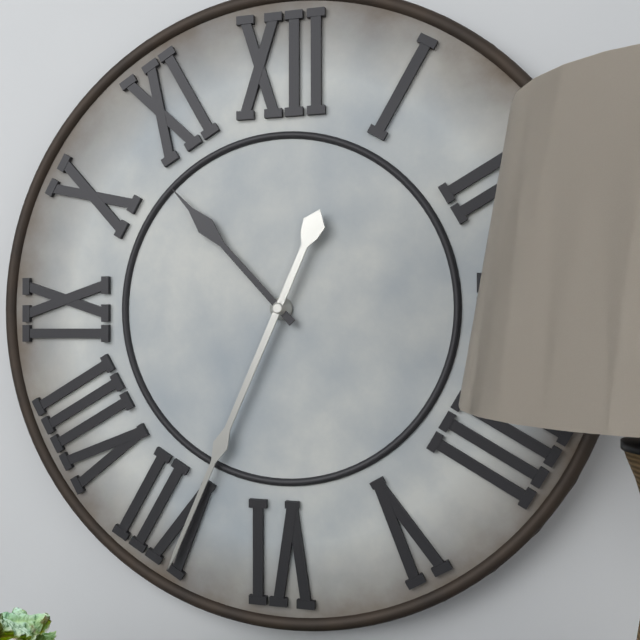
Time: **10:34**
